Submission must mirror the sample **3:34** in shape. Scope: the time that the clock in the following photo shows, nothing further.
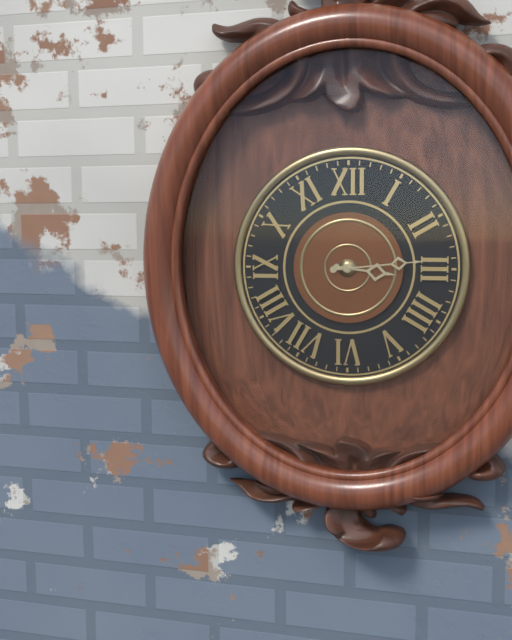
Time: **3:14**
